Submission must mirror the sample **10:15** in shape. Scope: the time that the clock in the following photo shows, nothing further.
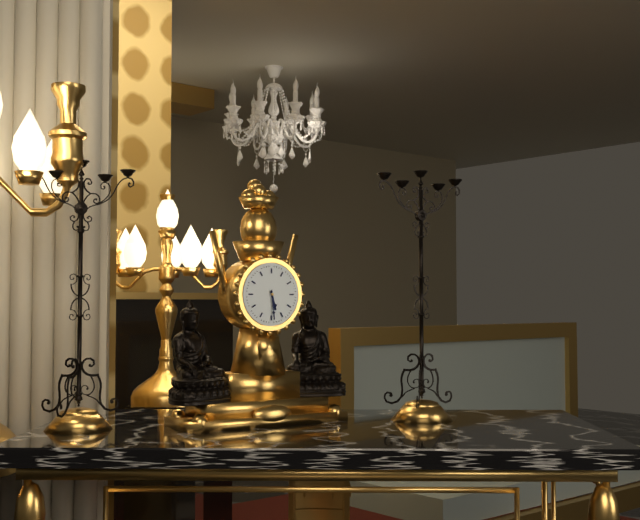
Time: **5:29**
